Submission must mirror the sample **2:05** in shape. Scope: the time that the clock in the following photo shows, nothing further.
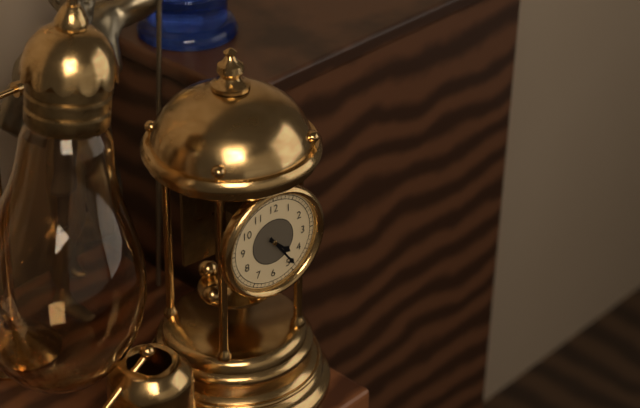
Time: **4:24**
